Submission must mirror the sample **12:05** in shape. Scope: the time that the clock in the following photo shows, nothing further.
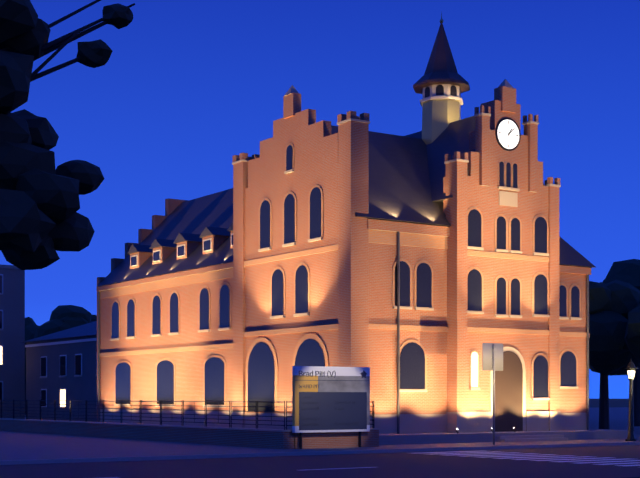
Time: **1:08**
